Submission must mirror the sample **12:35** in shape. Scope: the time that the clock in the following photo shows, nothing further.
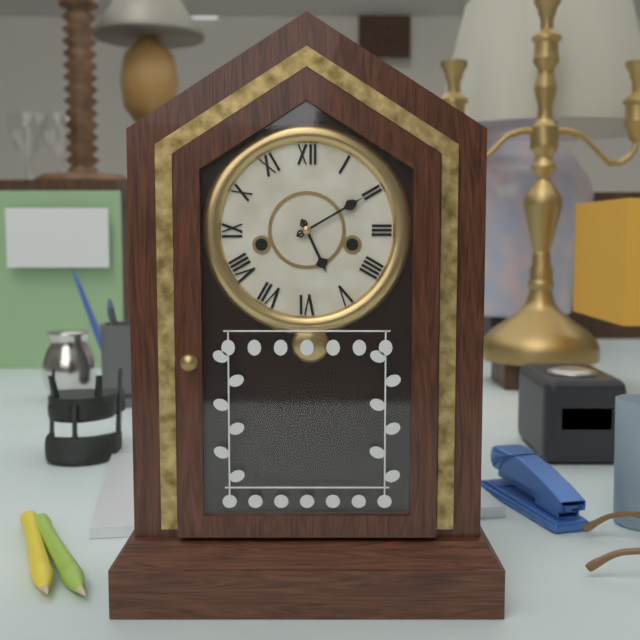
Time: **5:10**
